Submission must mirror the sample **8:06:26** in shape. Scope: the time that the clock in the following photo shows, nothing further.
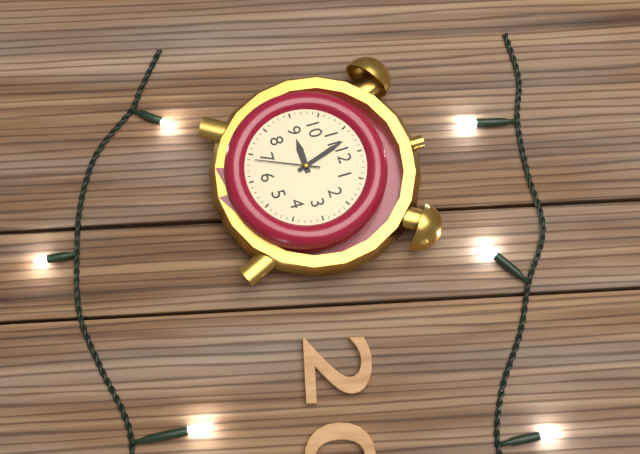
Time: **8:57:34**
